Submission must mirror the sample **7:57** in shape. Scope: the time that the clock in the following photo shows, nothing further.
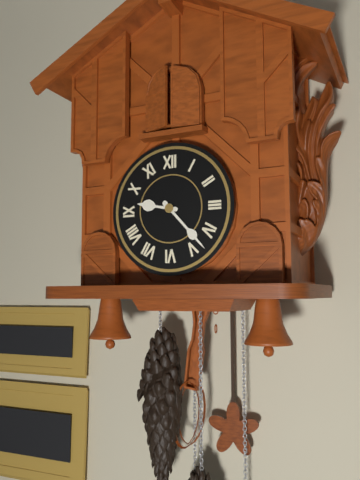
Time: **9:23**
